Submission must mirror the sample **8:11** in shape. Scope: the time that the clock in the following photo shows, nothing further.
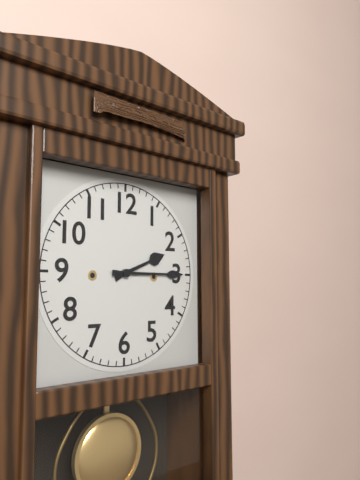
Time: **2:15**
